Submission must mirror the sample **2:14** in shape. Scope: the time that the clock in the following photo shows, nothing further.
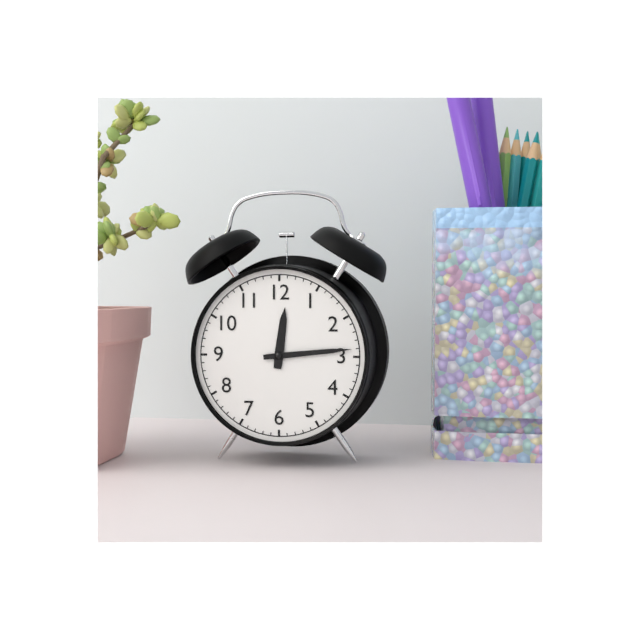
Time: **12:14**
